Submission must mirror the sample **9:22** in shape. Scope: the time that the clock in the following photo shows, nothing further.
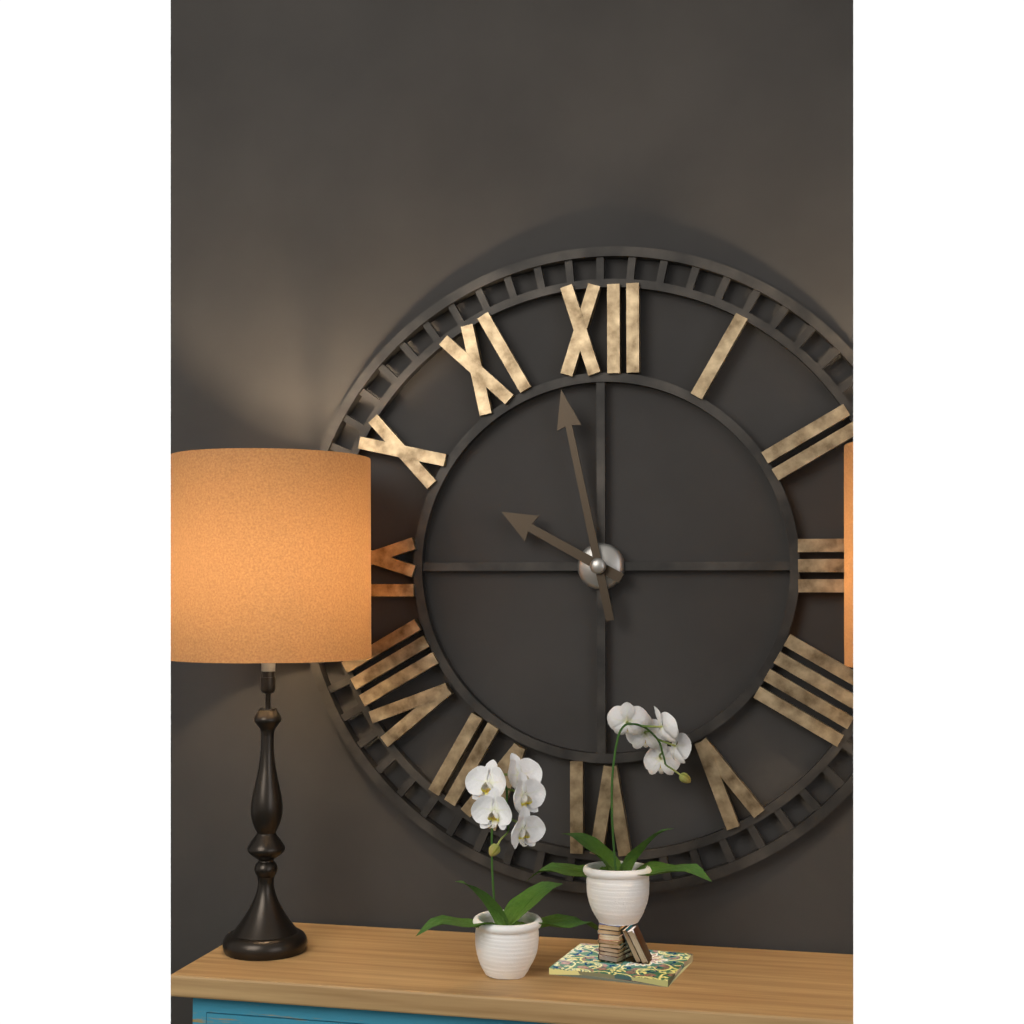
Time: **9:58**
